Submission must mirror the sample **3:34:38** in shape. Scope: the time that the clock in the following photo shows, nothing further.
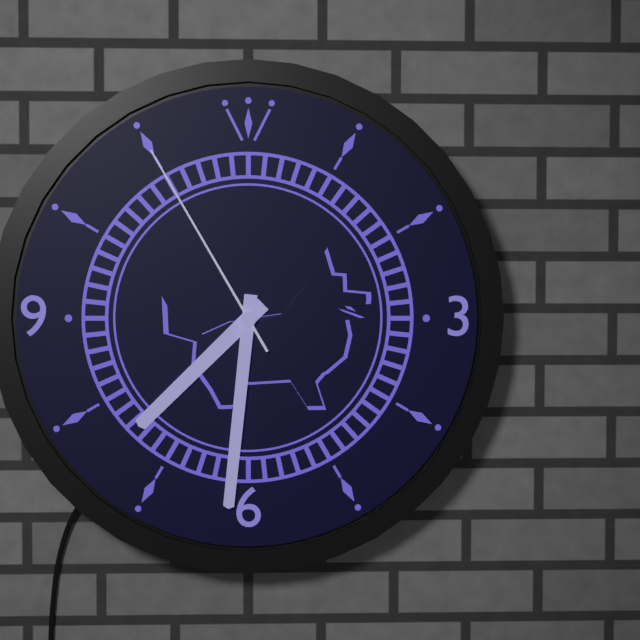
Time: **7:31:55**
